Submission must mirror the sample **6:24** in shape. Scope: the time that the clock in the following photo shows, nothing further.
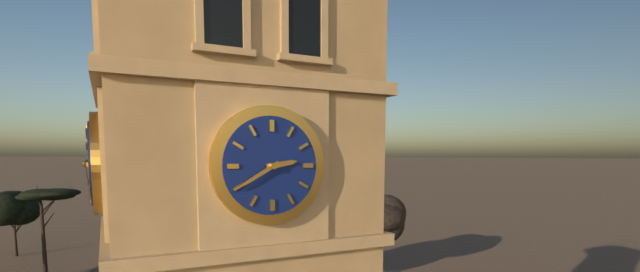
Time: **2:40**
